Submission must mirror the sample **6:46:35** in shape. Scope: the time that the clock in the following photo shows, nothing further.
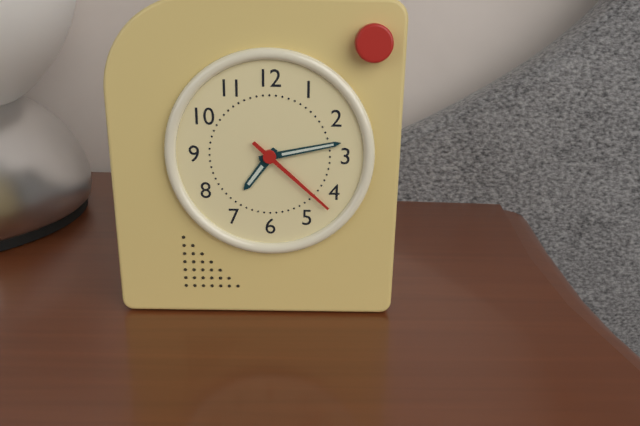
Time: **7:13:22**
